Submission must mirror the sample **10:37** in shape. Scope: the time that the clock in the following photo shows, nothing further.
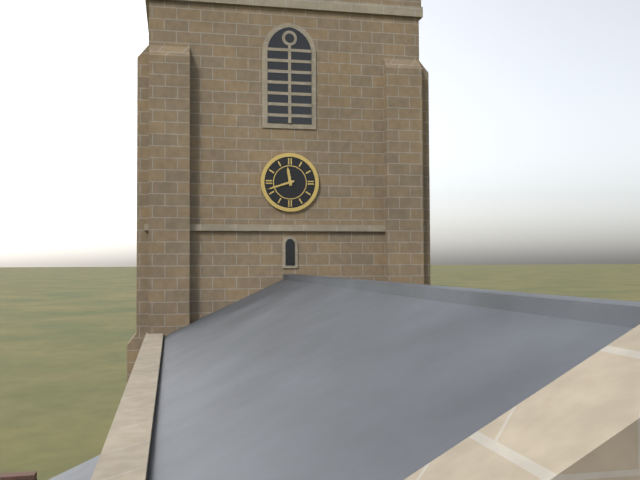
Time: **11:42**
